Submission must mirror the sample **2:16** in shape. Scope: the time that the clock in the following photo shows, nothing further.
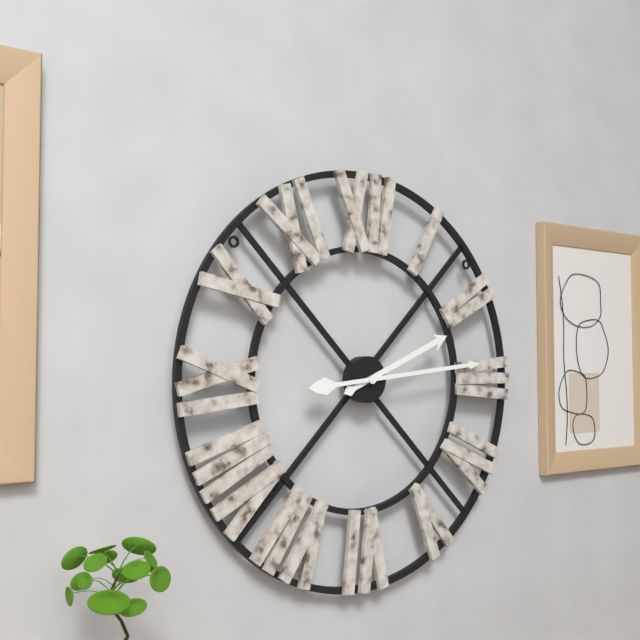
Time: **2:14**
